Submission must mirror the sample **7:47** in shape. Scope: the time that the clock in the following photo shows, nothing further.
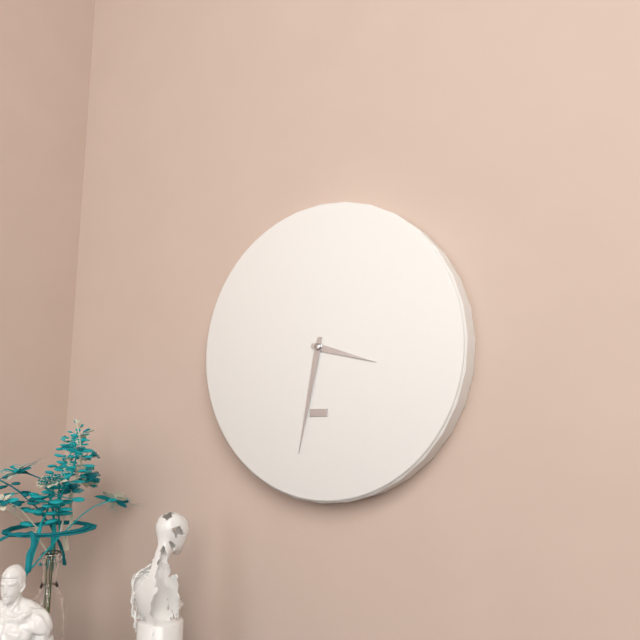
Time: **3:32**
